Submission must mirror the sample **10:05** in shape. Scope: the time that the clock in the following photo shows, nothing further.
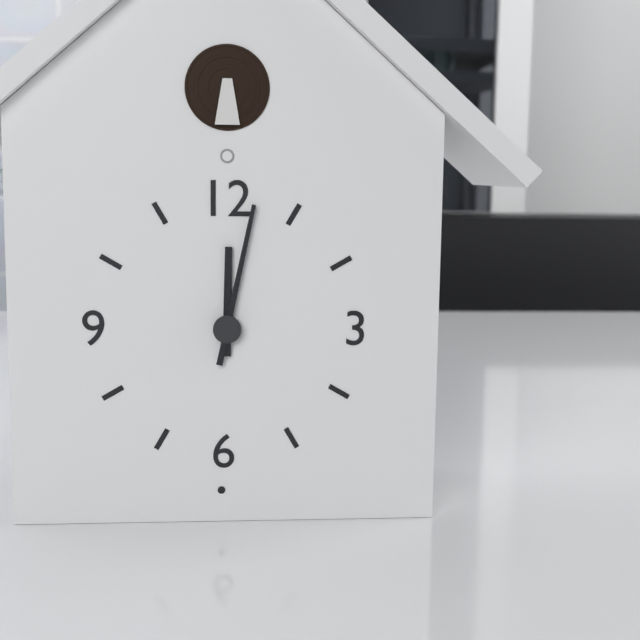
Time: **12:02**
